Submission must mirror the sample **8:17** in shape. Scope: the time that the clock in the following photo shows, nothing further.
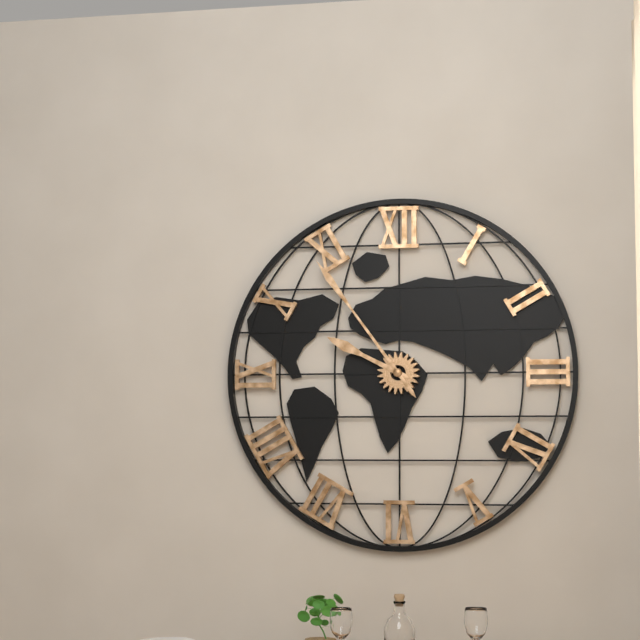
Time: **9:54**
